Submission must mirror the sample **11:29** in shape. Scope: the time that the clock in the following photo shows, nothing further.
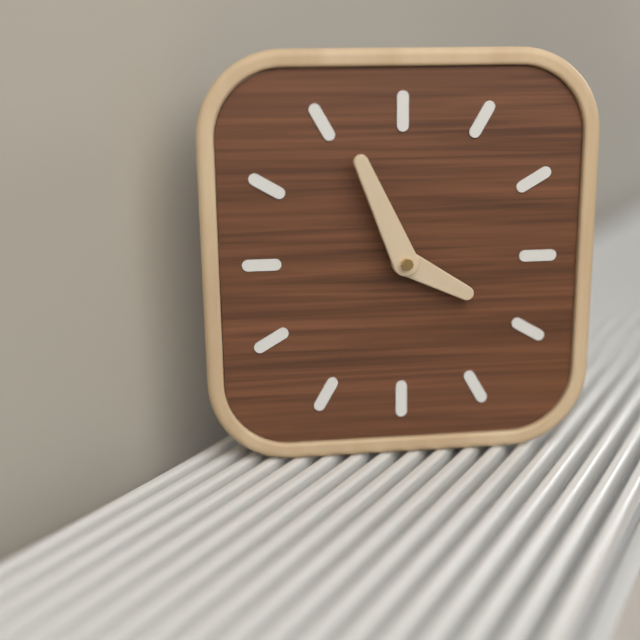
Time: **3:56**
